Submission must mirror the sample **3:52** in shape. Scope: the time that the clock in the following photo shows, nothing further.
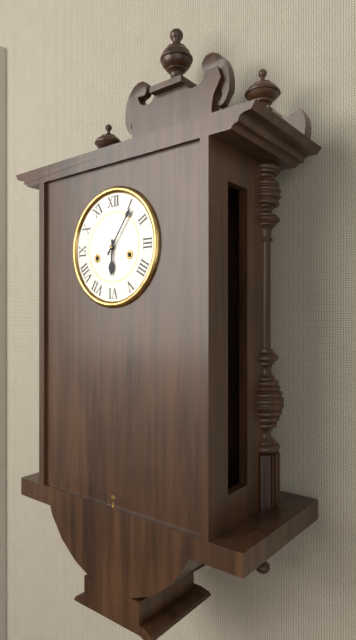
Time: **6:06**
